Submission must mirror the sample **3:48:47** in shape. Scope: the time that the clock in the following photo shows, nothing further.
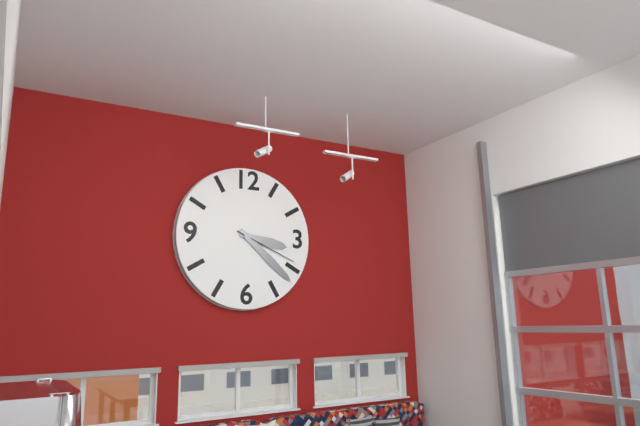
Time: **3:22:19**
